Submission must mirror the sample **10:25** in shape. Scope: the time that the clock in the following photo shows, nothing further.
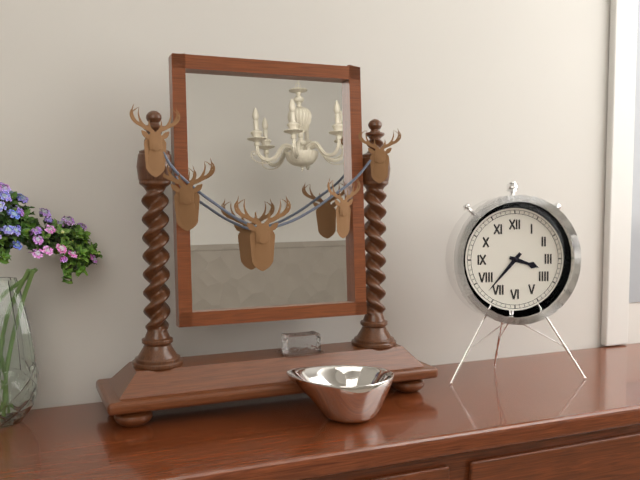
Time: **3:37**
